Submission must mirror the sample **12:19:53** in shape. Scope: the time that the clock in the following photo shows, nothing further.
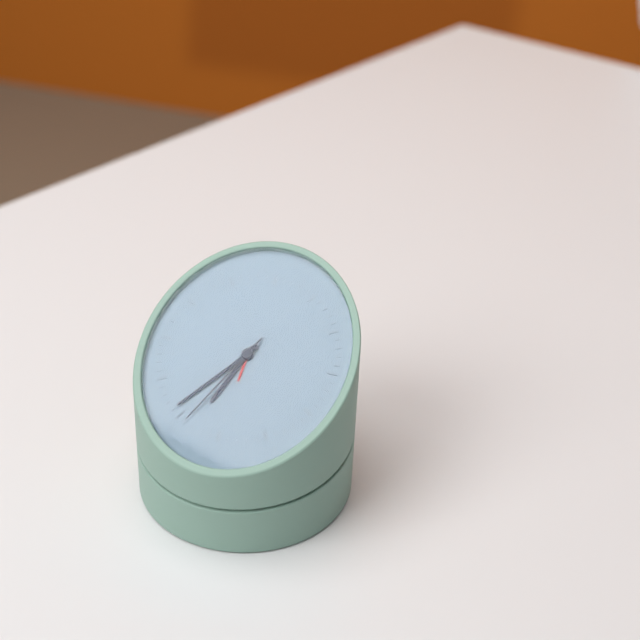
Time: **6:36:34**
